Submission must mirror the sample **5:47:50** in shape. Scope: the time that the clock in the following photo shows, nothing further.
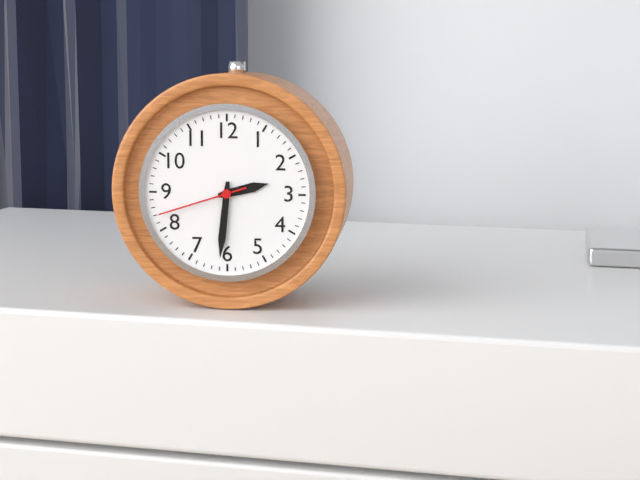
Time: **2:31:42**
